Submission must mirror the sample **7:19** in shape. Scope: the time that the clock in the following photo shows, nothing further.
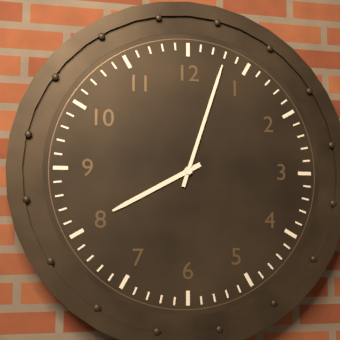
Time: **8:03**
